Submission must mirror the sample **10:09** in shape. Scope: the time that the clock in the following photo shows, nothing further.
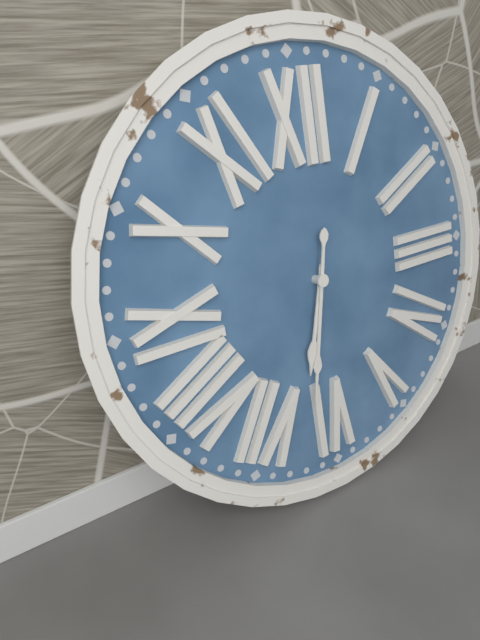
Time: **6:32**
